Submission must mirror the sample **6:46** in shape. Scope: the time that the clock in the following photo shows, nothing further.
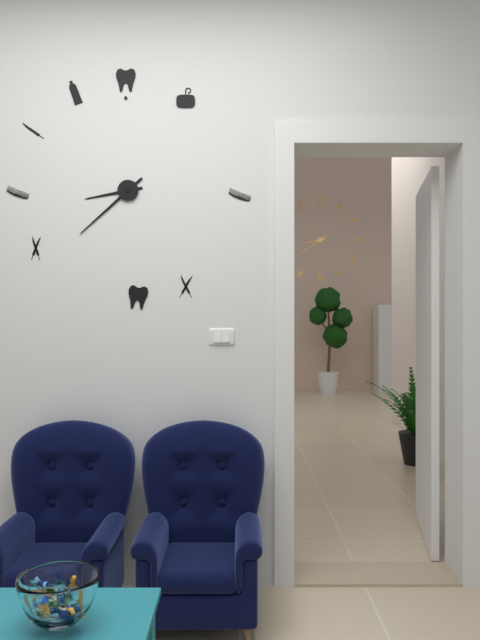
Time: **8:38**
